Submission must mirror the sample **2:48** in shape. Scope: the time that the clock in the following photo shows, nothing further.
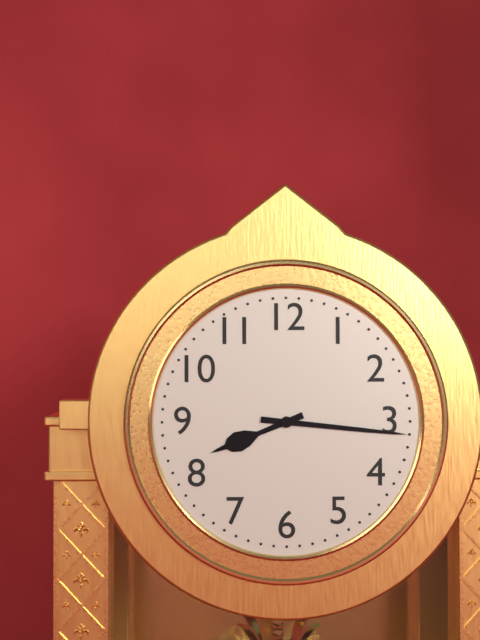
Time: **8:16**
